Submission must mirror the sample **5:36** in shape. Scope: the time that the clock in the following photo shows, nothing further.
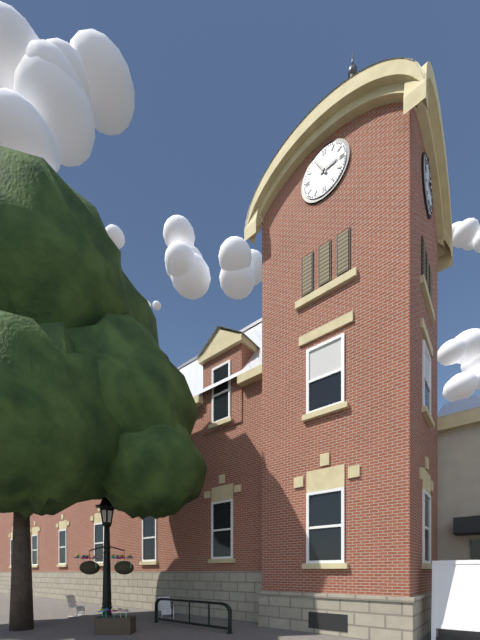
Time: **2:55**
